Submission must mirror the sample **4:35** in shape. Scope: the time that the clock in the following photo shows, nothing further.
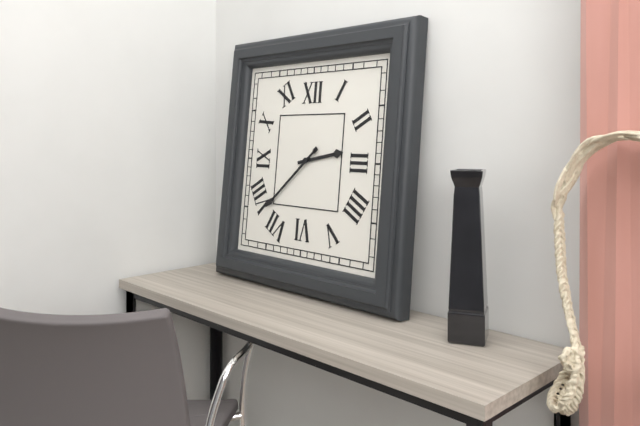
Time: **2:38**
